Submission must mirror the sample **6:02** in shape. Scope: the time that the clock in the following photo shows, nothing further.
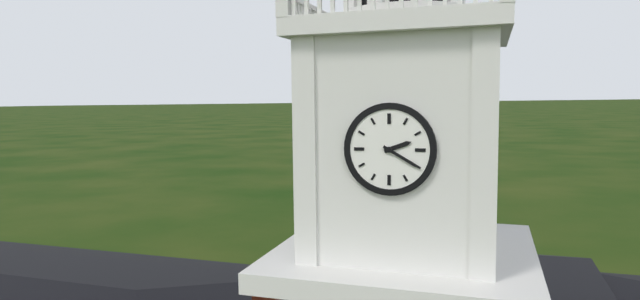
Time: **2:20**
